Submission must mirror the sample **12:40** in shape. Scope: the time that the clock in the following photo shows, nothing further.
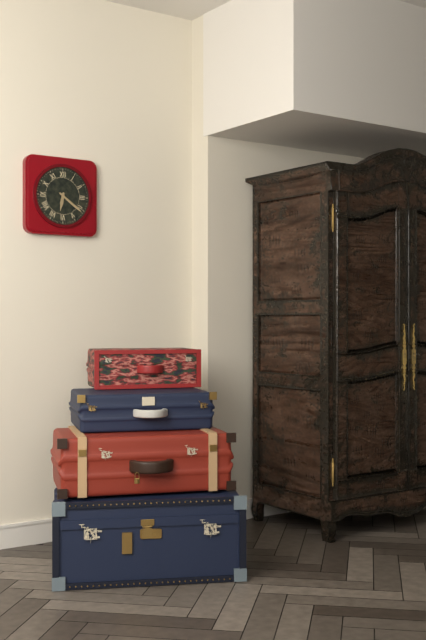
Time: **6:21**
